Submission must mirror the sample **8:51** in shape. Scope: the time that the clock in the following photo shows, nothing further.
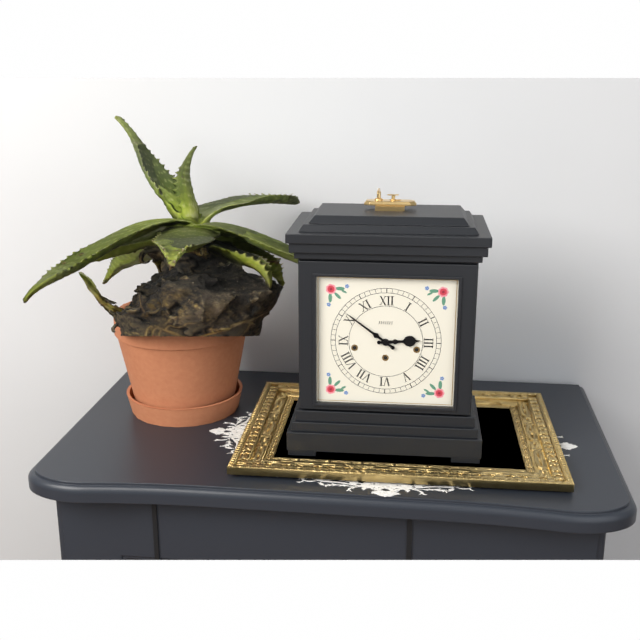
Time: **2:51**
